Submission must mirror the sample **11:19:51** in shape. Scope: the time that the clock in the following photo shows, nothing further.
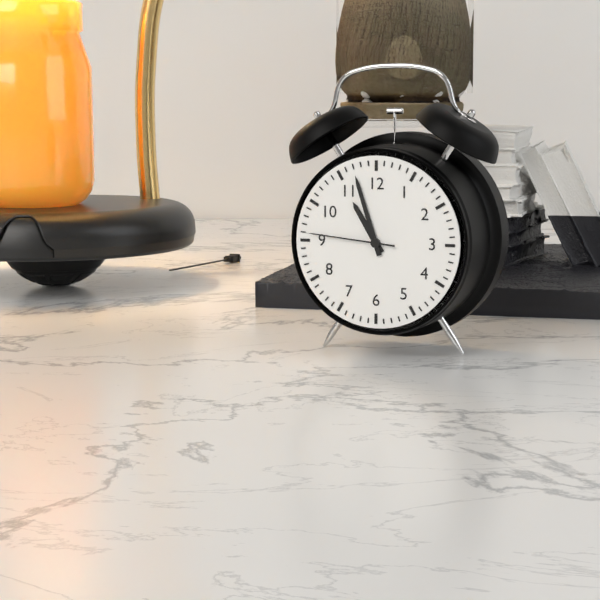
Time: **10:57:46**
